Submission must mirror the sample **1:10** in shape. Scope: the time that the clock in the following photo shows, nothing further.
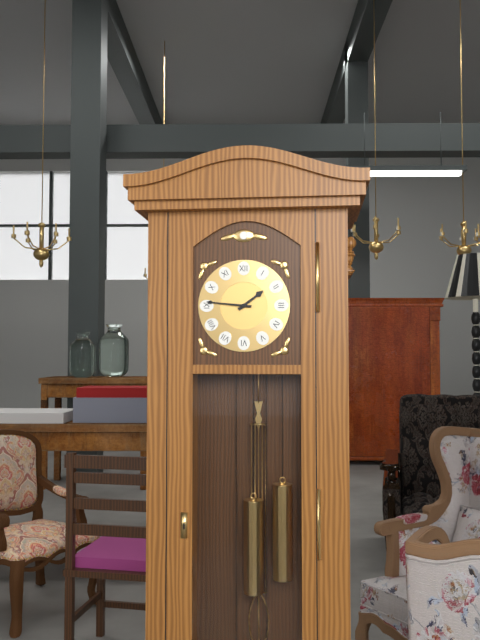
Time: **1:46**
